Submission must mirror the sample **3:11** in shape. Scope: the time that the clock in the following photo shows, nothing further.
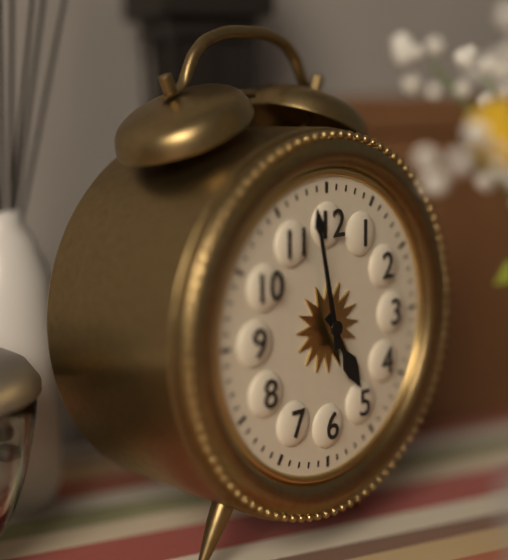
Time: **4:58**
